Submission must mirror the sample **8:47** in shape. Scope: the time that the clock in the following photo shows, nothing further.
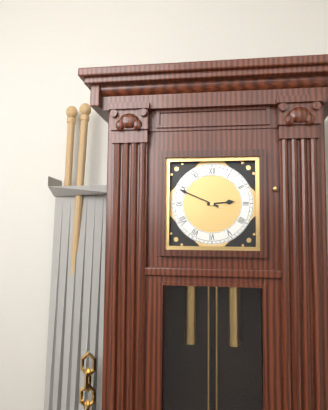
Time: **2:49**
